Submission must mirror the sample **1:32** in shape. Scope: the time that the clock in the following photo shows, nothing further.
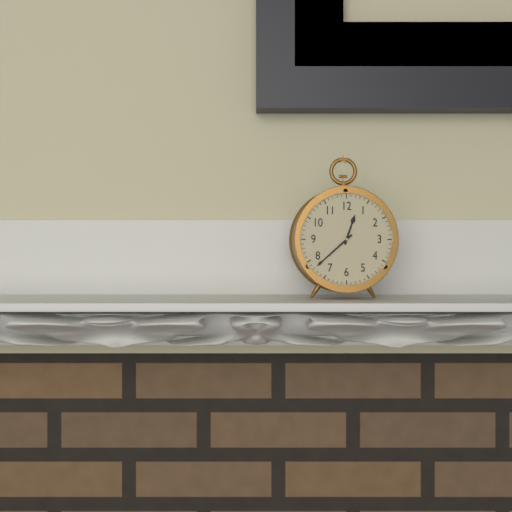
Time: **12:38**
